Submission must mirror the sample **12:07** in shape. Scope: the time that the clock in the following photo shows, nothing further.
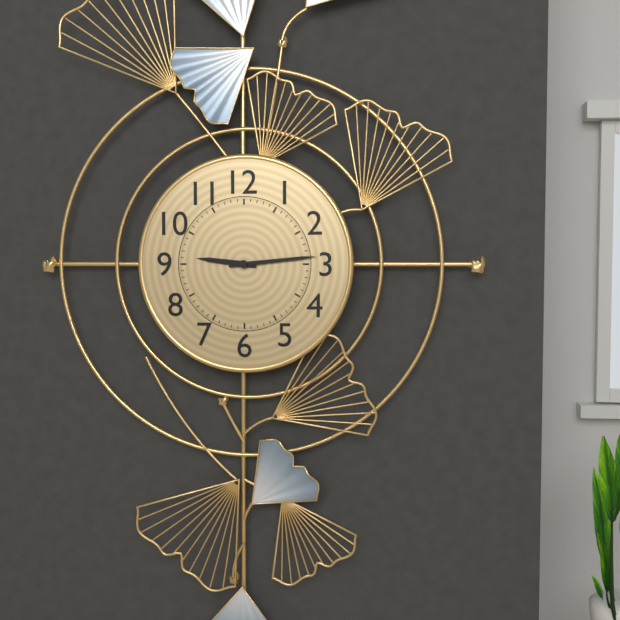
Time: **9:14**
